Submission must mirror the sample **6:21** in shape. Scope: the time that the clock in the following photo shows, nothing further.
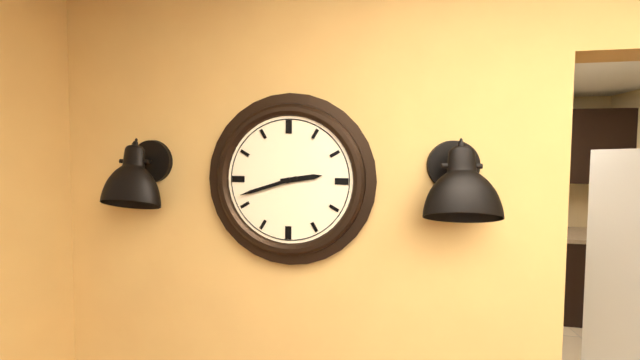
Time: **2:42**
